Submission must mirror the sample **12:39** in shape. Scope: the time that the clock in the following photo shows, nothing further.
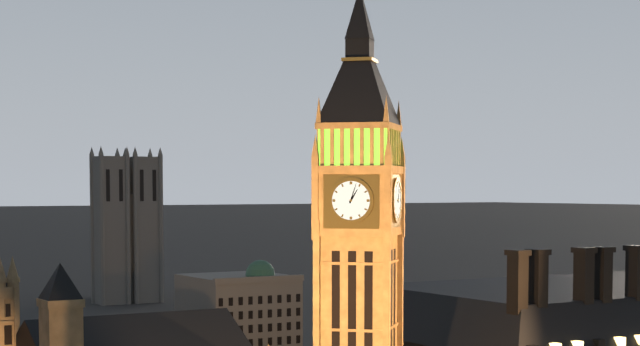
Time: **1:03**
